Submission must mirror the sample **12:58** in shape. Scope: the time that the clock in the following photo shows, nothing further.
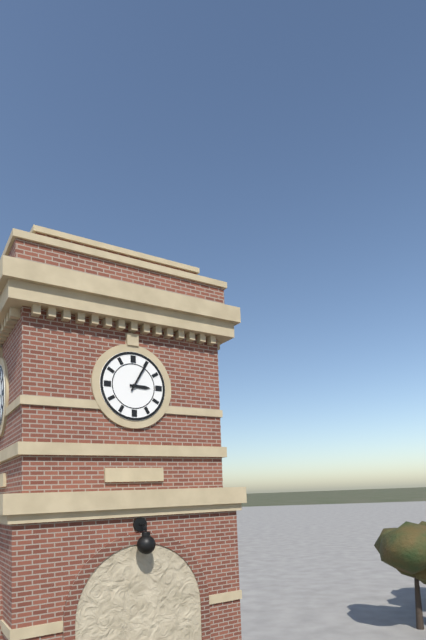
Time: **3:05**
